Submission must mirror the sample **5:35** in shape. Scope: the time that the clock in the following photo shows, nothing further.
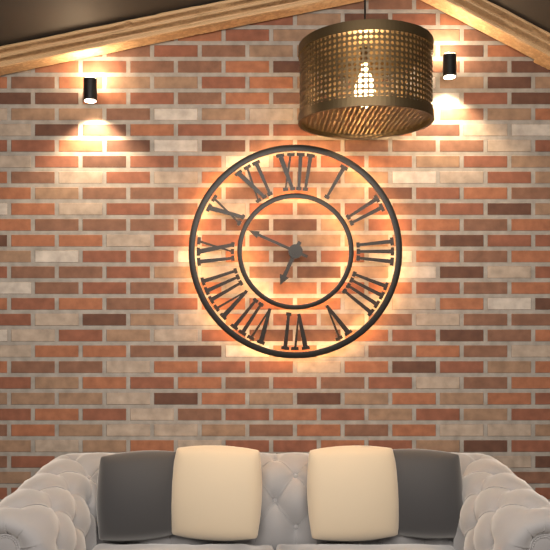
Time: **6:49**
